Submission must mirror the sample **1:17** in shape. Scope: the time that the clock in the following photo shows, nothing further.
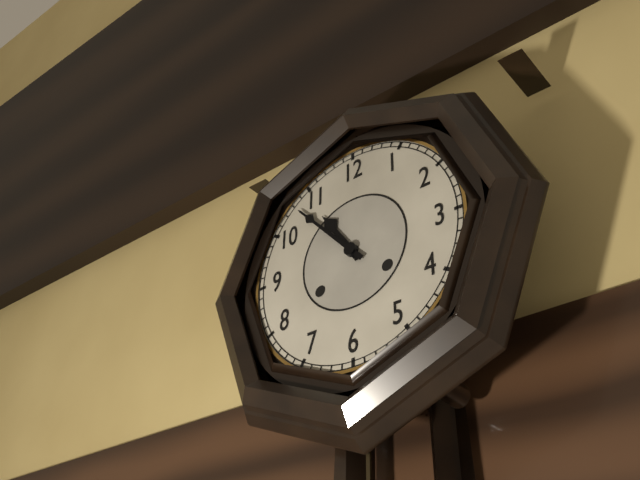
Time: **10:53**
